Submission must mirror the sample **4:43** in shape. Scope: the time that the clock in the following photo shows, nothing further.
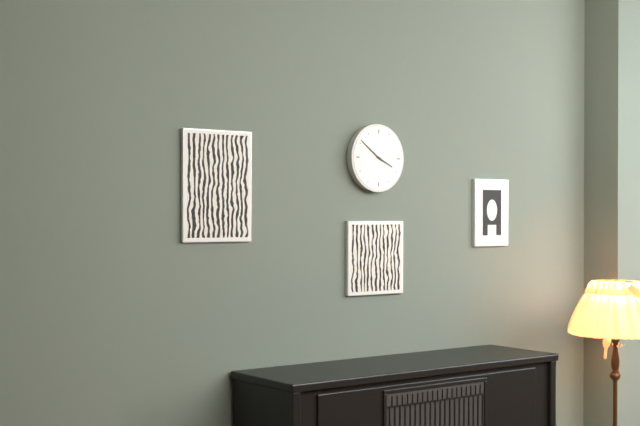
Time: **3:51**
